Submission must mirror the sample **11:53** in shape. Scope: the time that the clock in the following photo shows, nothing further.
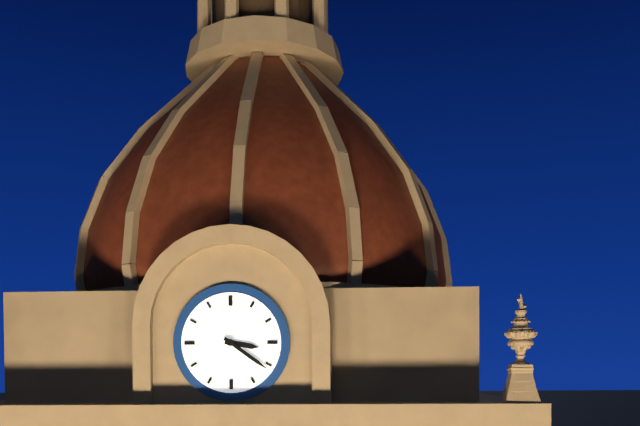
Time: **3:21**
